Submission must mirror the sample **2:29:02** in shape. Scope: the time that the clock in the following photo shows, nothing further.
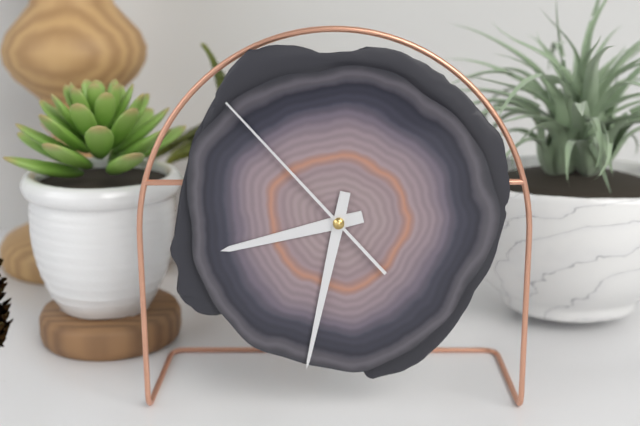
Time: **8:32:53**
